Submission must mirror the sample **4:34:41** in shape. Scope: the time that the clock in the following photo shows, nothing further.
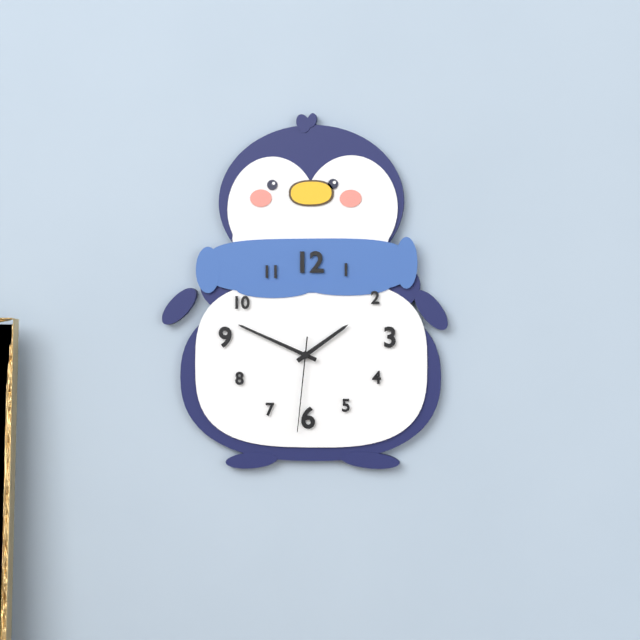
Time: **1:49:31**
